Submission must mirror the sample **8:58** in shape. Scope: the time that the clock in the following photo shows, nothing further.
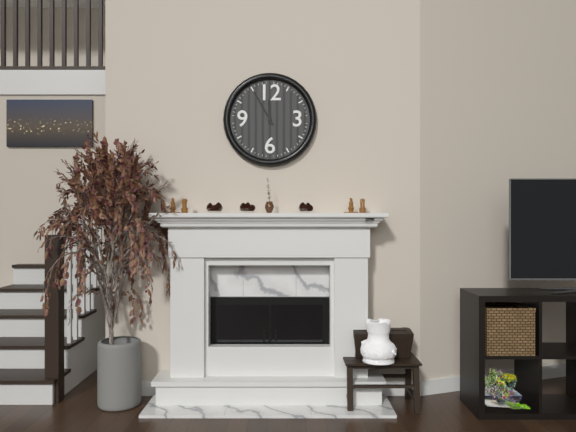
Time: **11:55**
